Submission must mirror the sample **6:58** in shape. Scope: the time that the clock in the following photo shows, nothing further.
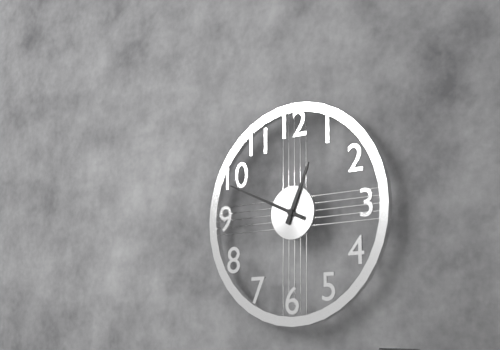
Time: **12:49**
